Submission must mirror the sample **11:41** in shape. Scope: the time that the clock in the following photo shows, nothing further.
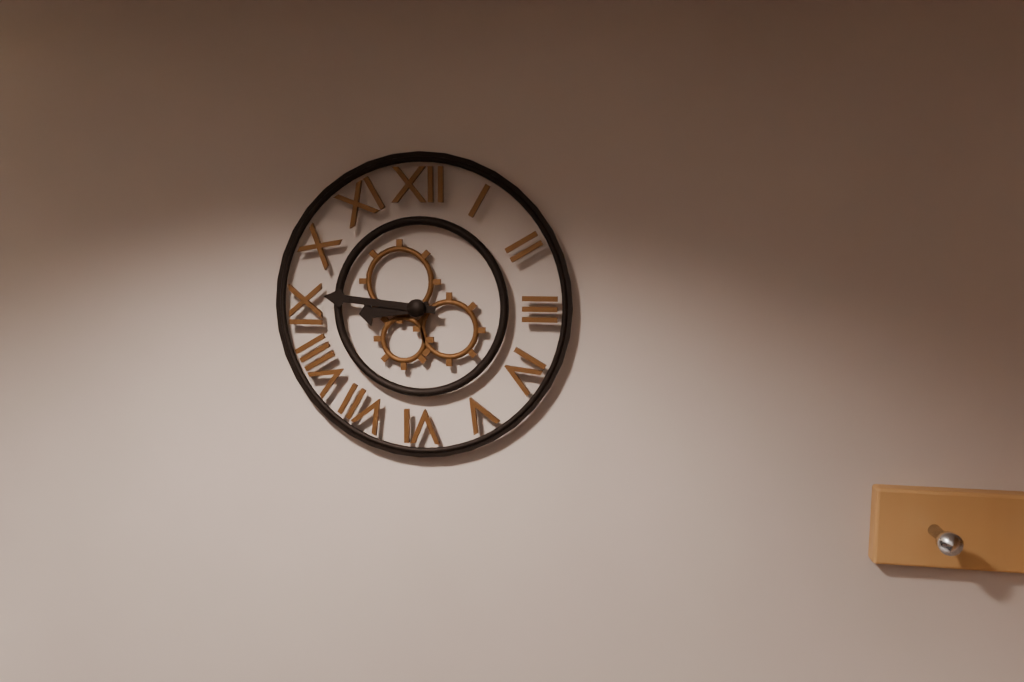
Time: **8:46**
